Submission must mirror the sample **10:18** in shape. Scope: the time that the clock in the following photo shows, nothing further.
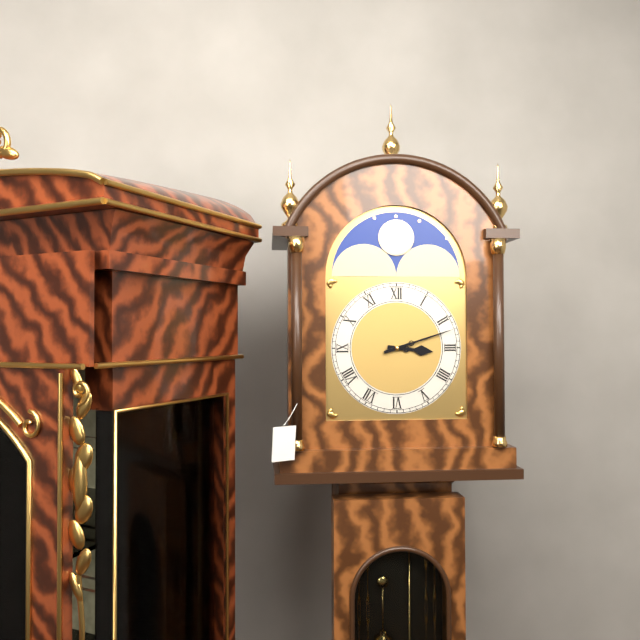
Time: **3:12**
